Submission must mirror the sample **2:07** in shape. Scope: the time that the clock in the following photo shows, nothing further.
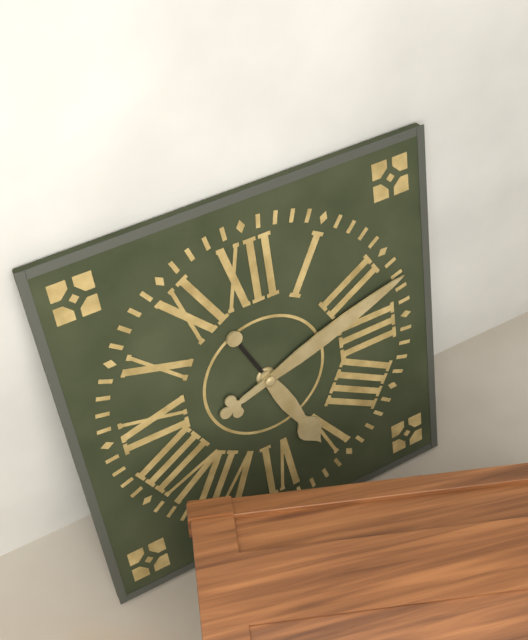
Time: **5:12**
